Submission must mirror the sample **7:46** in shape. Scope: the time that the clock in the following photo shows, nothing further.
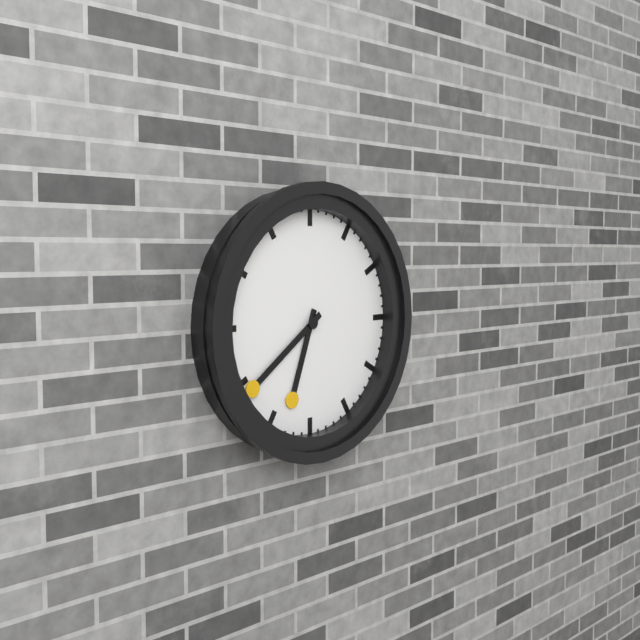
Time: **6:39**
